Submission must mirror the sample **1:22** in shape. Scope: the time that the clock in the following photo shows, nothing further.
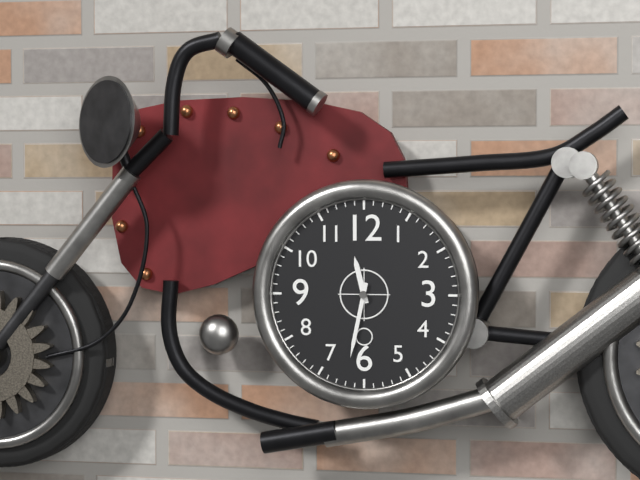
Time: **11:32**
